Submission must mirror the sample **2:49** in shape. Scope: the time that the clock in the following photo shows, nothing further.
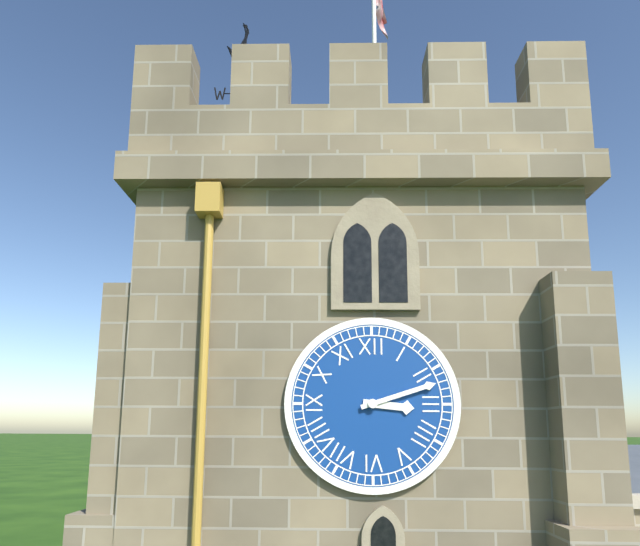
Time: **3:12**
